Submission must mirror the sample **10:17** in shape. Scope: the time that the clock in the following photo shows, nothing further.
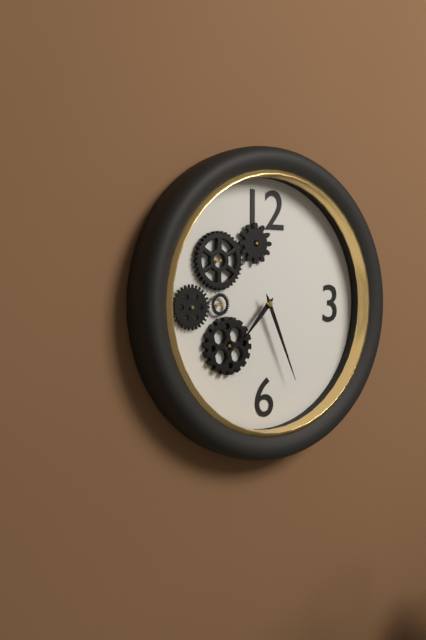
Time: **7:26**
